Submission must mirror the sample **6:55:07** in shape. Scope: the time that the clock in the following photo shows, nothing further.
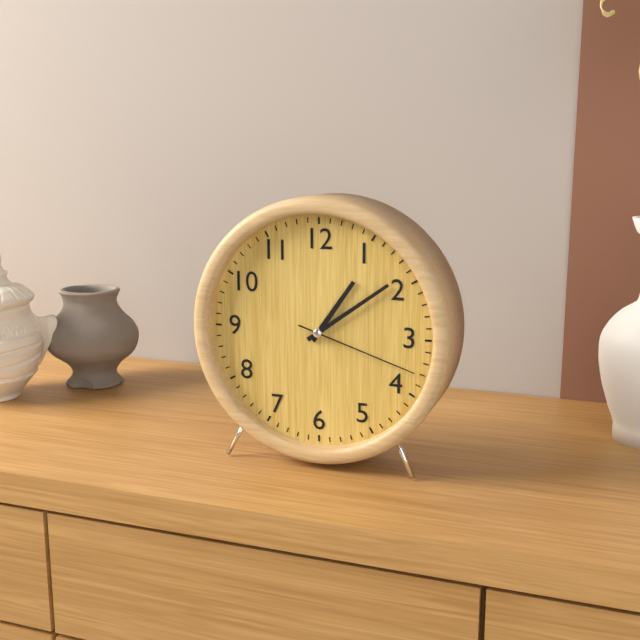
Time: **1:09:18**
